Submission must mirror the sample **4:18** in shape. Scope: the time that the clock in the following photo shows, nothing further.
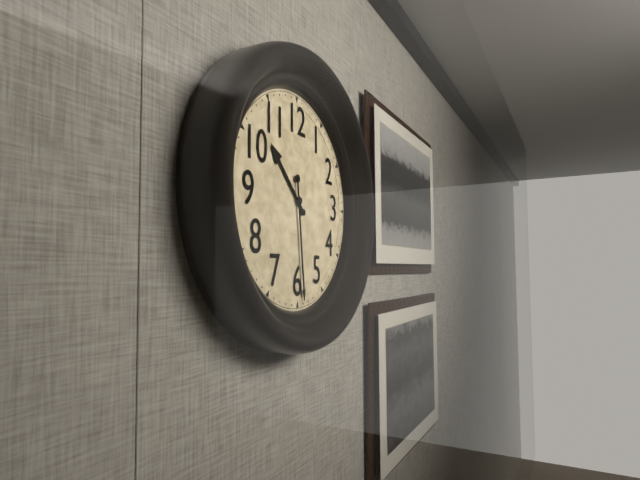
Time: **10:29**
